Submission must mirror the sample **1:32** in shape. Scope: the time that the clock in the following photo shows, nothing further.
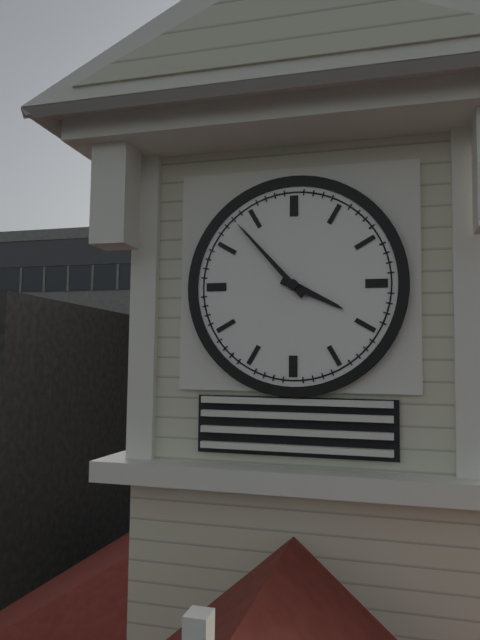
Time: **3:53**
